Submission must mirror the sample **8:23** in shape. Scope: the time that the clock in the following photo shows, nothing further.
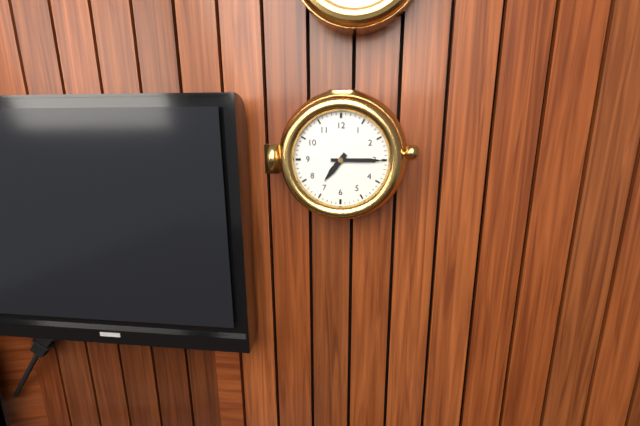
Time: **7:15**
